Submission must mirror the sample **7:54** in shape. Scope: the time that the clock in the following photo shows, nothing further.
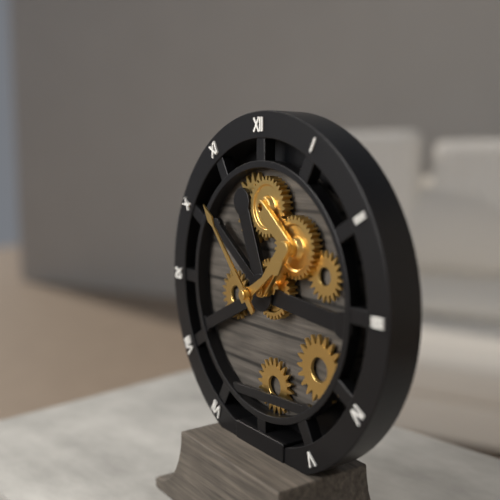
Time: **1:53**
